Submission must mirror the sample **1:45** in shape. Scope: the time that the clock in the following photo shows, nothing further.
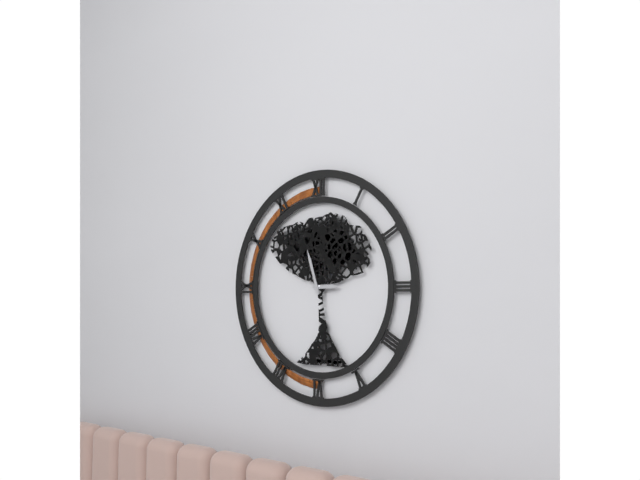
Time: **2:57**
